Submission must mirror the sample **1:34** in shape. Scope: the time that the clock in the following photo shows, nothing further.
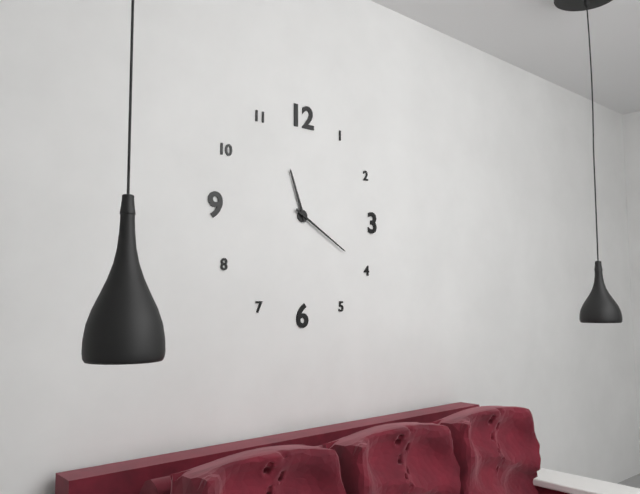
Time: **11:20**
